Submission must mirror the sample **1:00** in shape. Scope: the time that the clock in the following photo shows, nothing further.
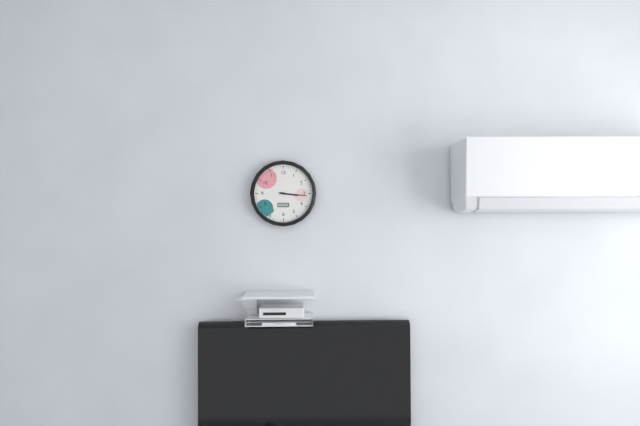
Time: **3:16**
